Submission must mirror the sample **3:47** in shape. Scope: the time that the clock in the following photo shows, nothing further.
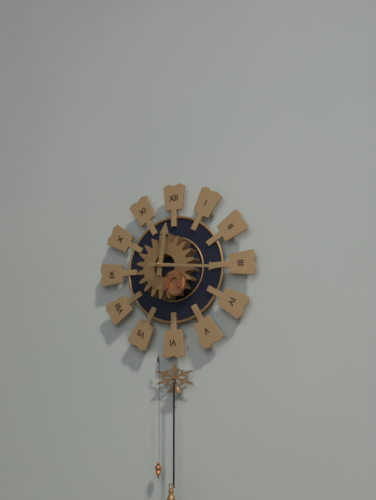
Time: **12:16**
